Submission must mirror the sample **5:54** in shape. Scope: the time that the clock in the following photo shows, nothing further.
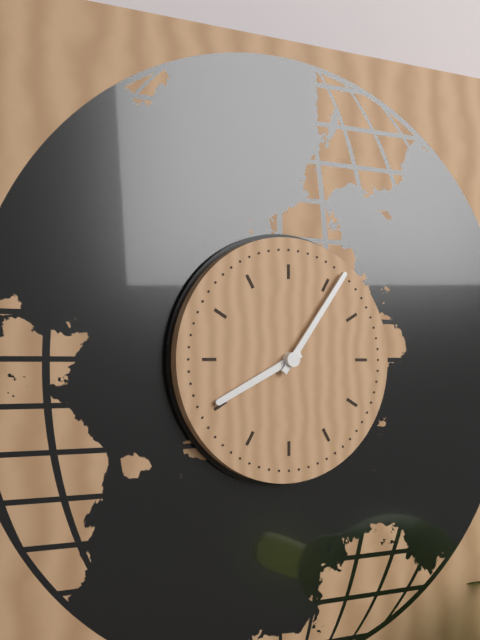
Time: **8:06**
